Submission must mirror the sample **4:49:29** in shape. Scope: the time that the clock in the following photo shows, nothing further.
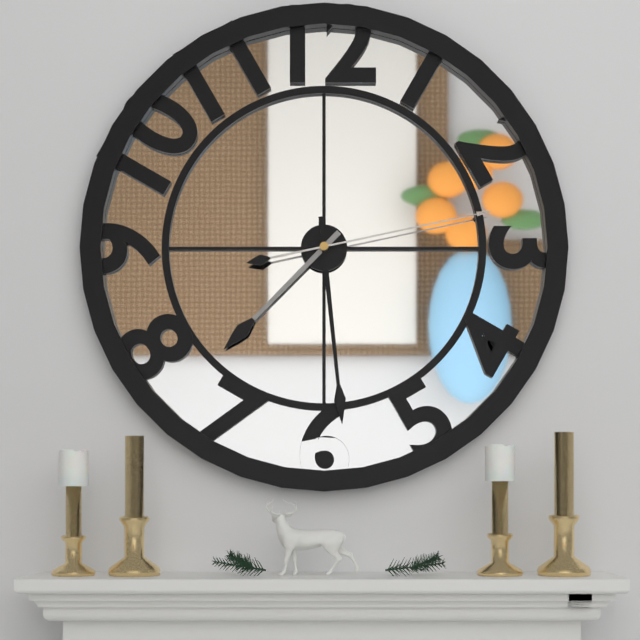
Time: **7:29:13**
